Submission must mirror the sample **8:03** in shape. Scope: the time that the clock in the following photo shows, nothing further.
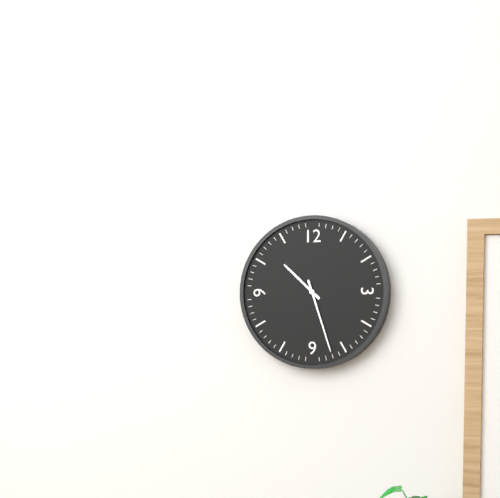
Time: **10:27**
